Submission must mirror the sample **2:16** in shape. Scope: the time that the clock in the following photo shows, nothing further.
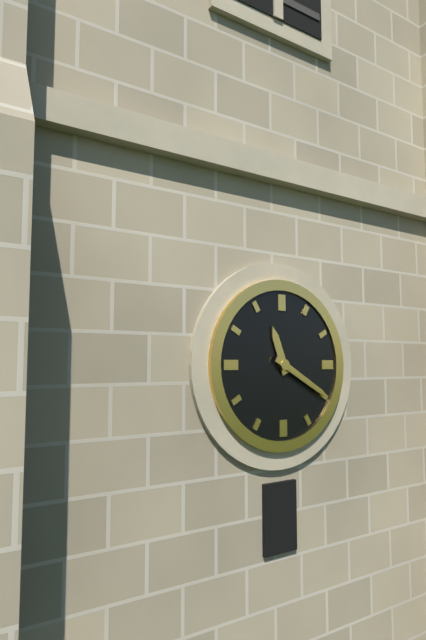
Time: **11:20**
